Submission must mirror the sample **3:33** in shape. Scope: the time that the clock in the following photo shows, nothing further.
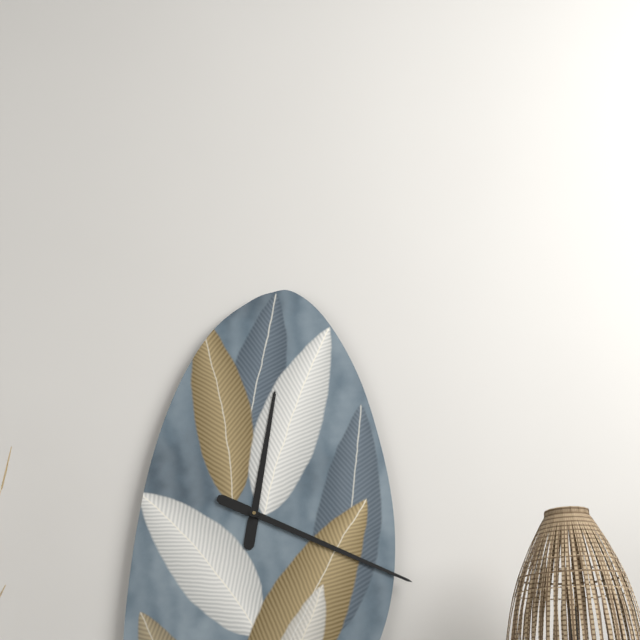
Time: **12:19**
